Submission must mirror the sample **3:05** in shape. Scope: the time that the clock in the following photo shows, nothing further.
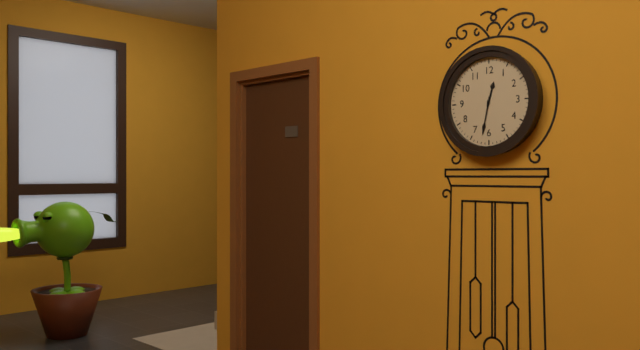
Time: **12:32**
